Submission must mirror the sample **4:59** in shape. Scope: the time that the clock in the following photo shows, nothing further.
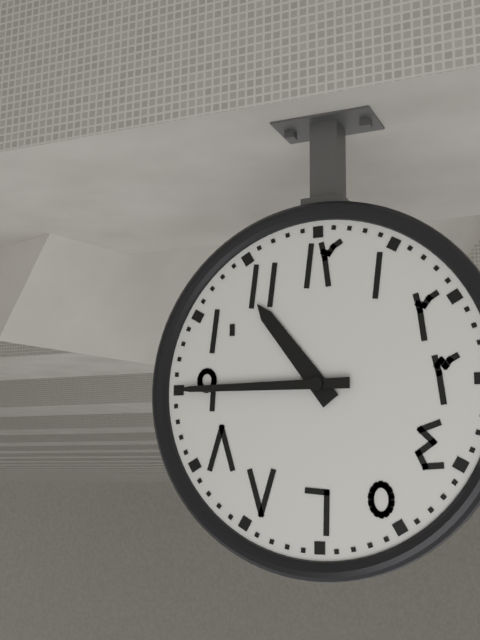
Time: **10:45**
